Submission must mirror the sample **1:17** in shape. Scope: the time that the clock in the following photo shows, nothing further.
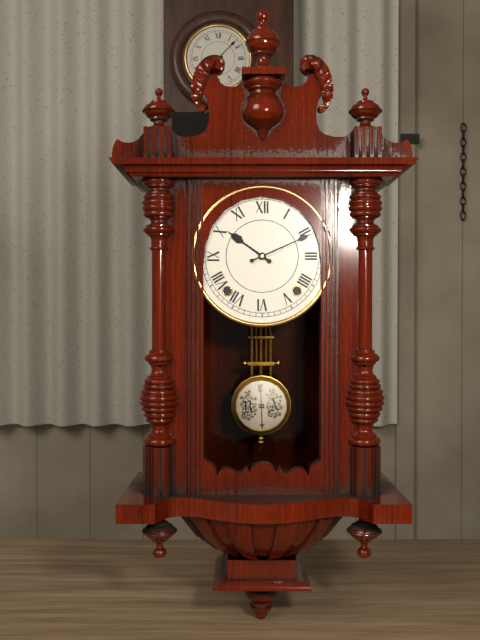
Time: **10:11**
